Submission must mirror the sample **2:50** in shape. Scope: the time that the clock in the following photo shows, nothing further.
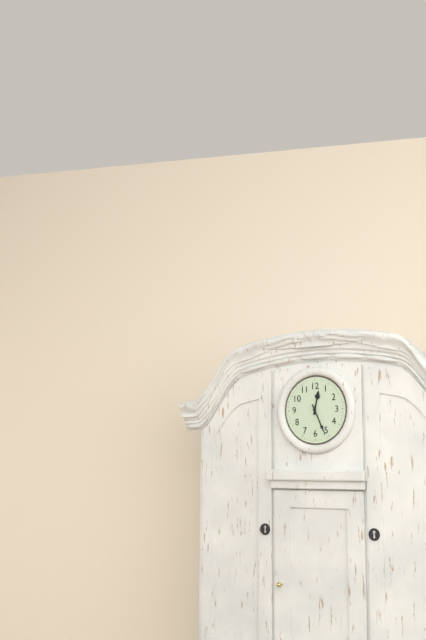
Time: **12:26**
